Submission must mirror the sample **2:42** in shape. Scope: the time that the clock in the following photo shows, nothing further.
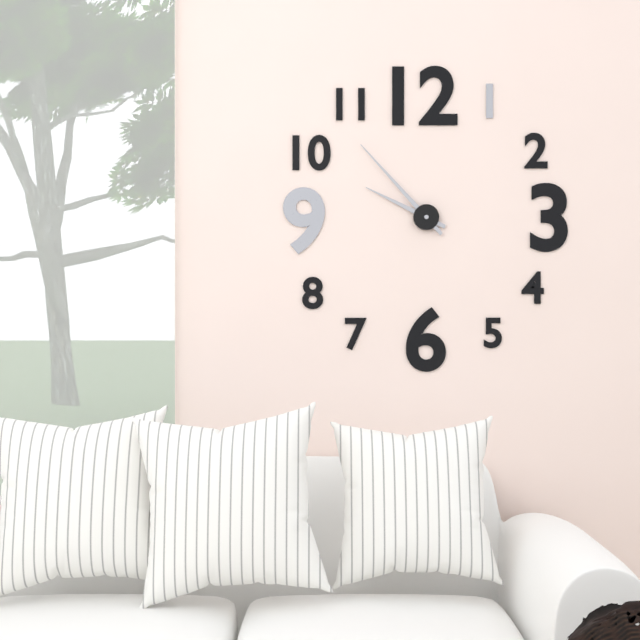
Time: **9:53**
